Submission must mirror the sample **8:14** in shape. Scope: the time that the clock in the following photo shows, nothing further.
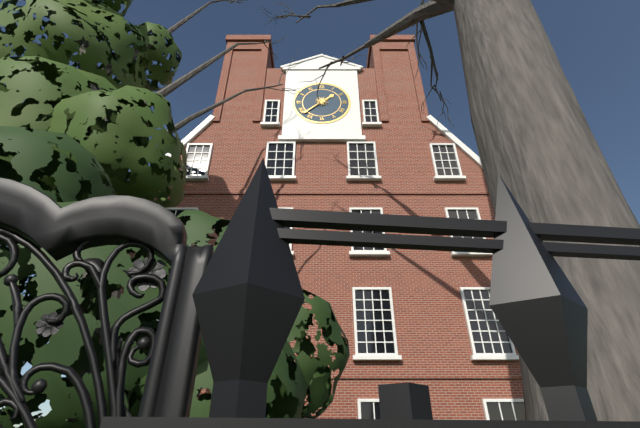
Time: **1:38**
